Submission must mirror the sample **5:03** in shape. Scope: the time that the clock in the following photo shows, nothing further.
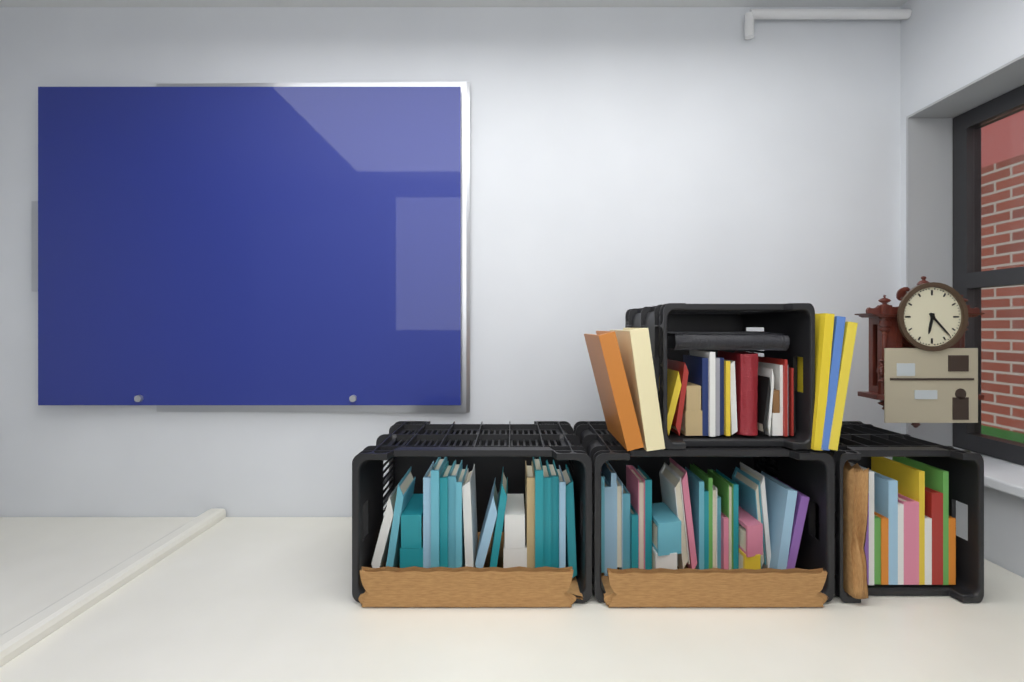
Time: **6:23**
